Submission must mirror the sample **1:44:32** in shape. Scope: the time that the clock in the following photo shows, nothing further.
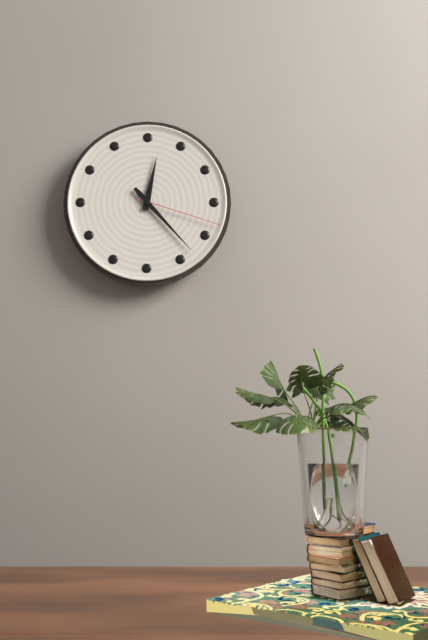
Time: **12:23:18**
